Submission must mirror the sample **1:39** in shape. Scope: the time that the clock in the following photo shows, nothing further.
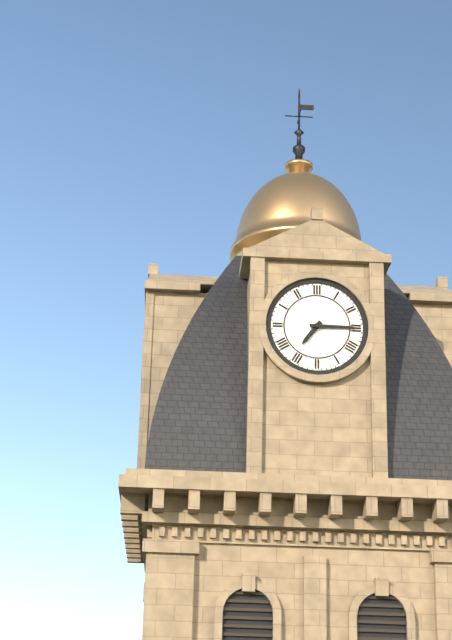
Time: **7:15**
